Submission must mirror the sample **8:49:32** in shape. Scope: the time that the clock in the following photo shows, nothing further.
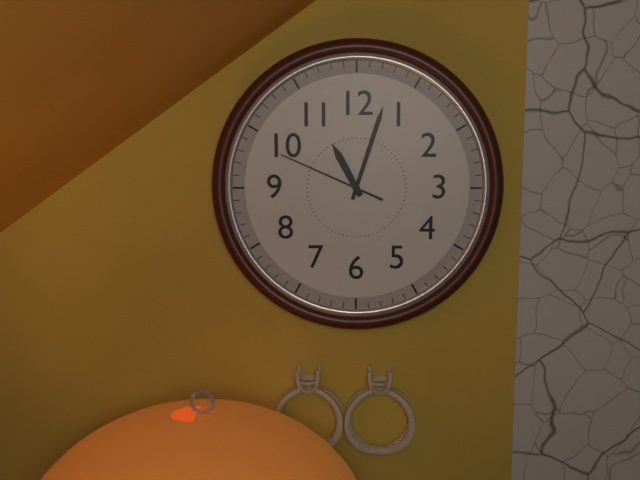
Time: **11:03:49**
